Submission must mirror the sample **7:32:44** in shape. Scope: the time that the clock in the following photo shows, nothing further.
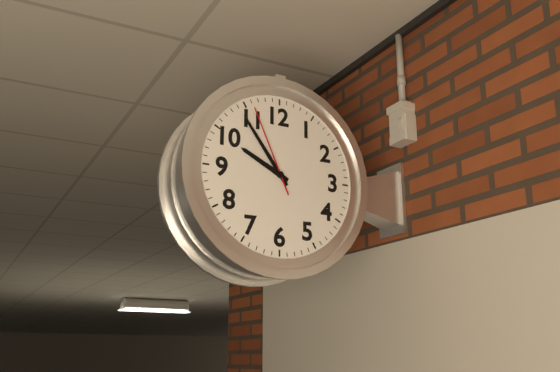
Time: **9:54:56**
